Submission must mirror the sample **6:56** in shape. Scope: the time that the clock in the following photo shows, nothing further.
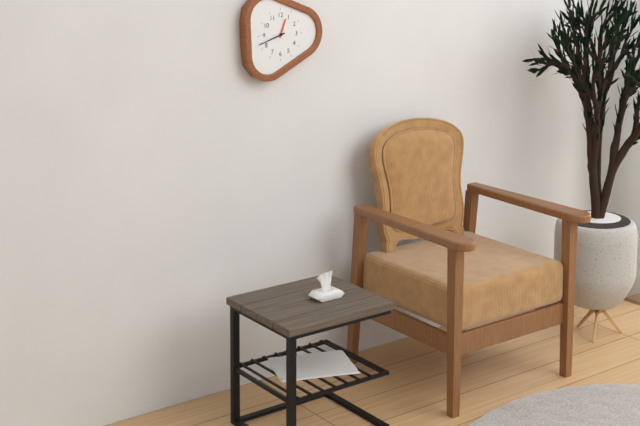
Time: **12:42**
